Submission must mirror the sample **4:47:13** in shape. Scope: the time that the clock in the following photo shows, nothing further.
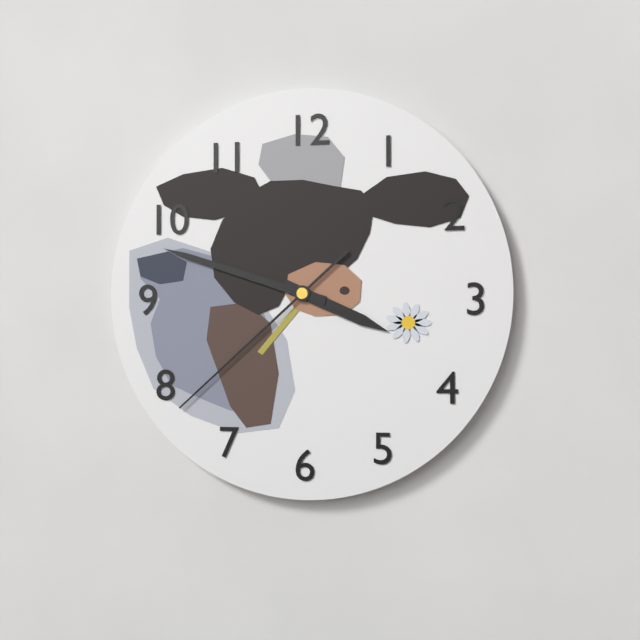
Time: **3:48:38**
